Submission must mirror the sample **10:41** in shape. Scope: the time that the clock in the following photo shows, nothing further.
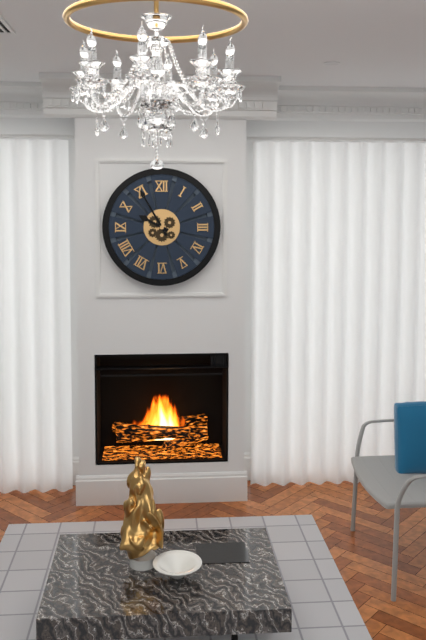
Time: **9:55**
